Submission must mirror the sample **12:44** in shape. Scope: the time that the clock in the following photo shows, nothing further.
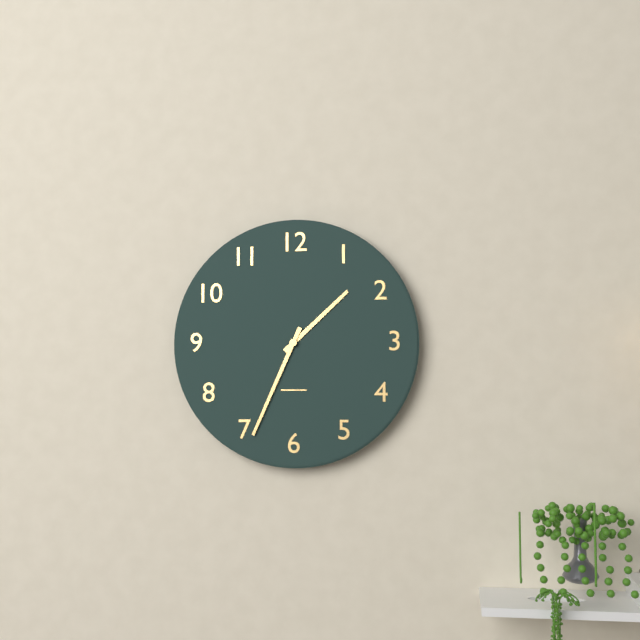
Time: **1:34**
